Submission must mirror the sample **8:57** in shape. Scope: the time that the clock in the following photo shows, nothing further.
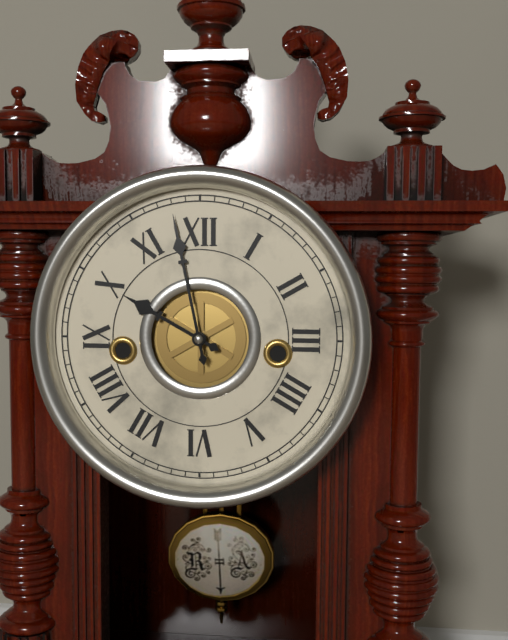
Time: **9:58**
